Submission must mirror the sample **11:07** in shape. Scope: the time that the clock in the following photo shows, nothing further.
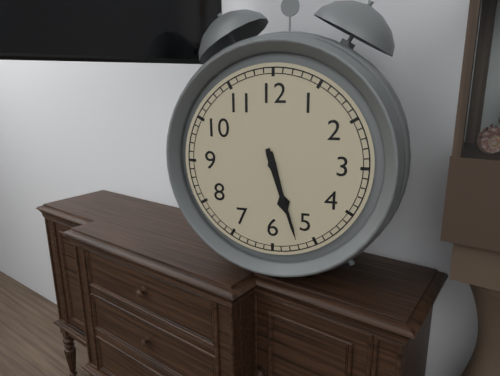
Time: **5:27**
